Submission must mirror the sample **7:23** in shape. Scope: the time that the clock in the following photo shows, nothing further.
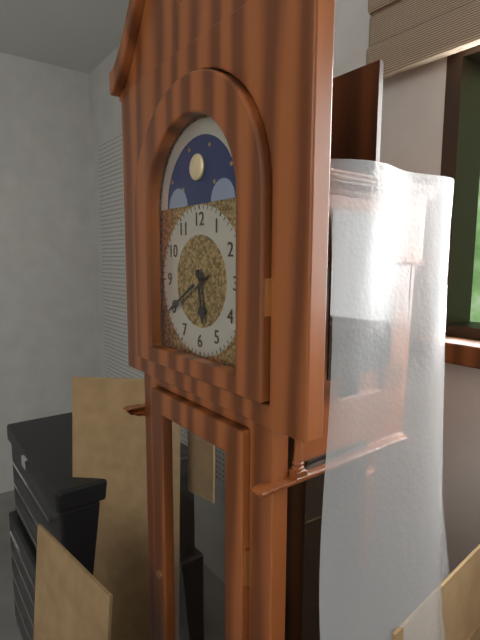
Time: **5:40**
